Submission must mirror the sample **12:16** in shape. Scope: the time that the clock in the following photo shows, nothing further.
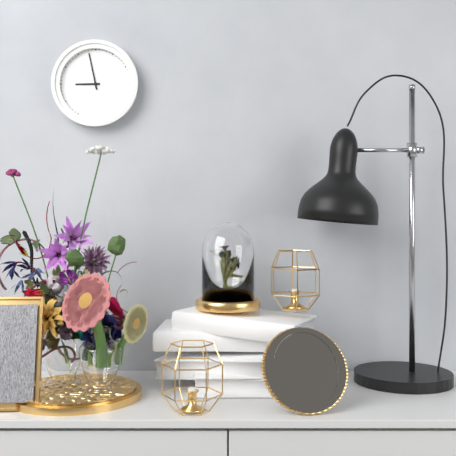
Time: **8:58**
